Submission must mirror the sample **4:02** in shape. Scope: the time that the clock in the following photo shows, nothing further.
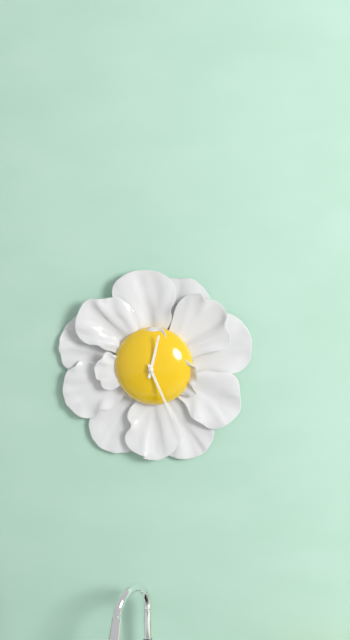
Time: **12:26**
